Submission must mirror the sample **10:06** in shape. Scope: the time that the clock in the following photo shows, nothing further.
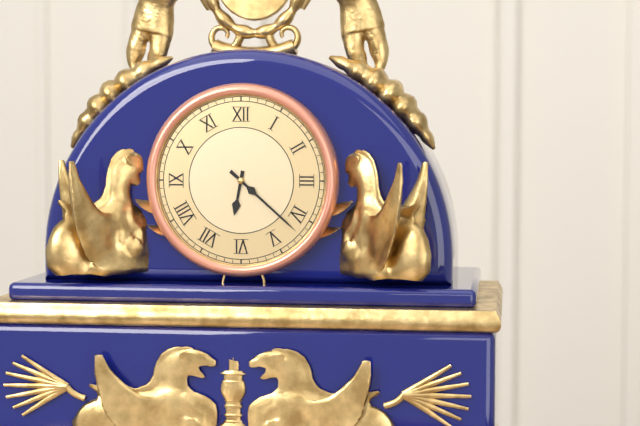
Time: **6:22**
